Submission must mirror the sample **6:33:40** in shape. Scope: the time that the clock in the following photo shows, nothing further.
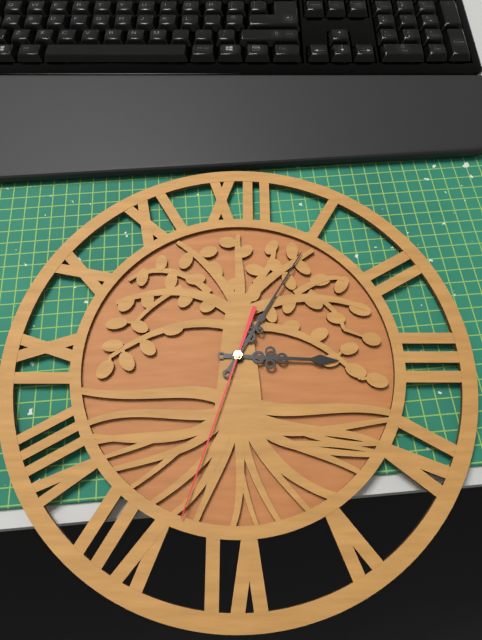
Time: **3:05:33**
